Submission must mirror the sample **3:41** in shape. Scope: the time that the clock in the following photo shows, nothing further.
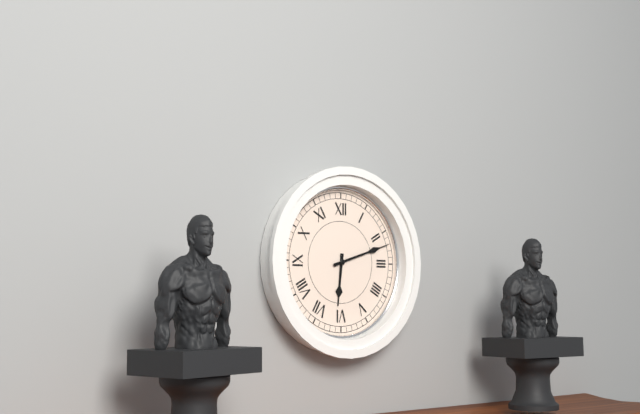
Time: **6:12**
